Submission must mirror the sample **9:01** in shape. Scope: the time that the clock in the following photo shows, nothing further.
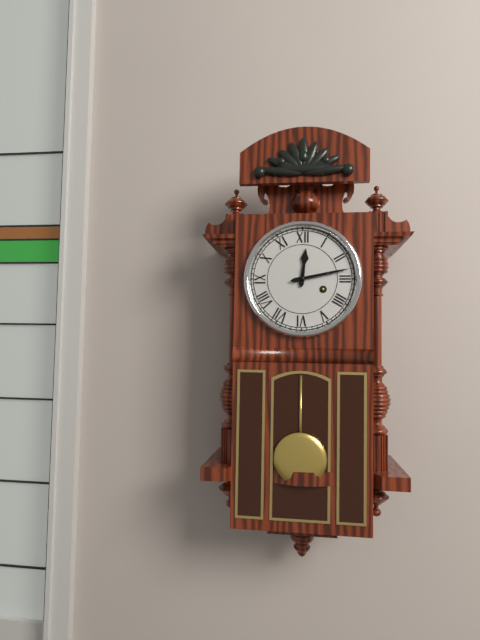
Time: **12:13**
